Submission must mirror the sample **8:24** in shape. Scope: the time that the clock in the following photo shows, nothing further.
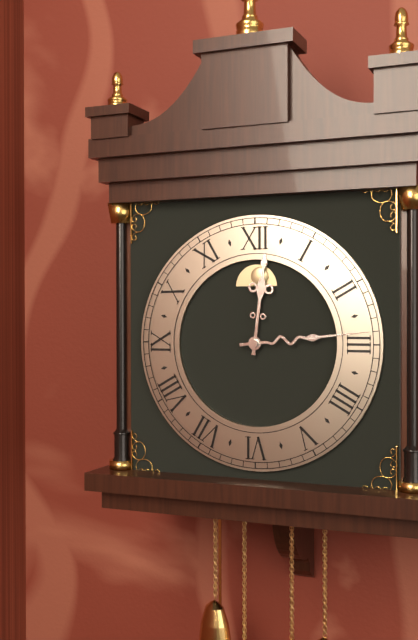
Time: **12:14**
